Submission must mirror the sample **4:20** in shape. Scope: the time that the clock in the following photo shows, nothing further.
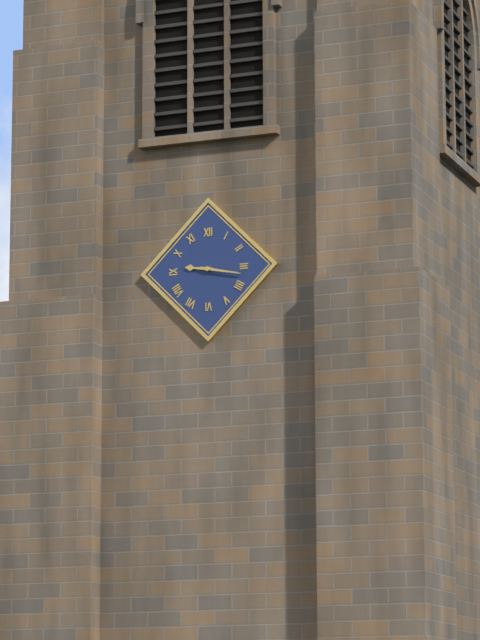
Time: **9:17**
